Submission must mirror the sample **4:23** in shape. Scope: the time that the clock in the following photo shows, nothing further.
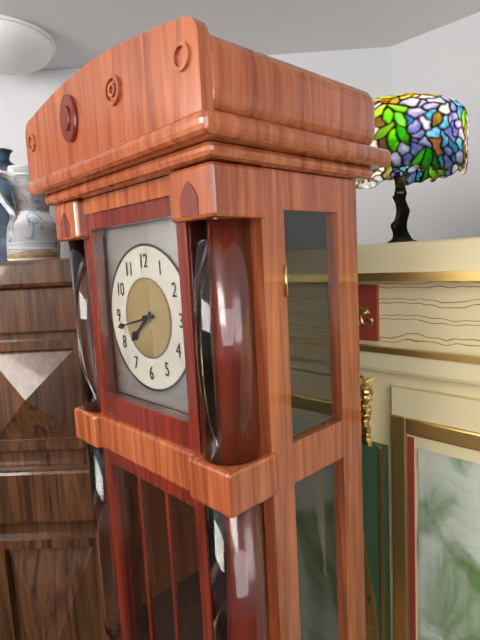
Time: **7:43**
